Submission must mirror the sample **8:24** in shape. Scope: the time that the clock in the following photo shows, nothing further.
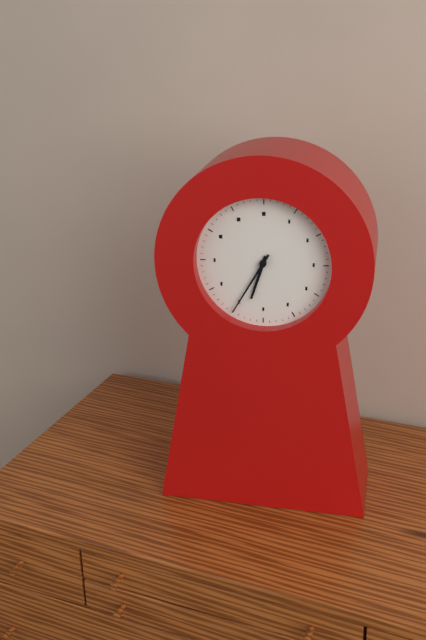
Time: **6:35**
